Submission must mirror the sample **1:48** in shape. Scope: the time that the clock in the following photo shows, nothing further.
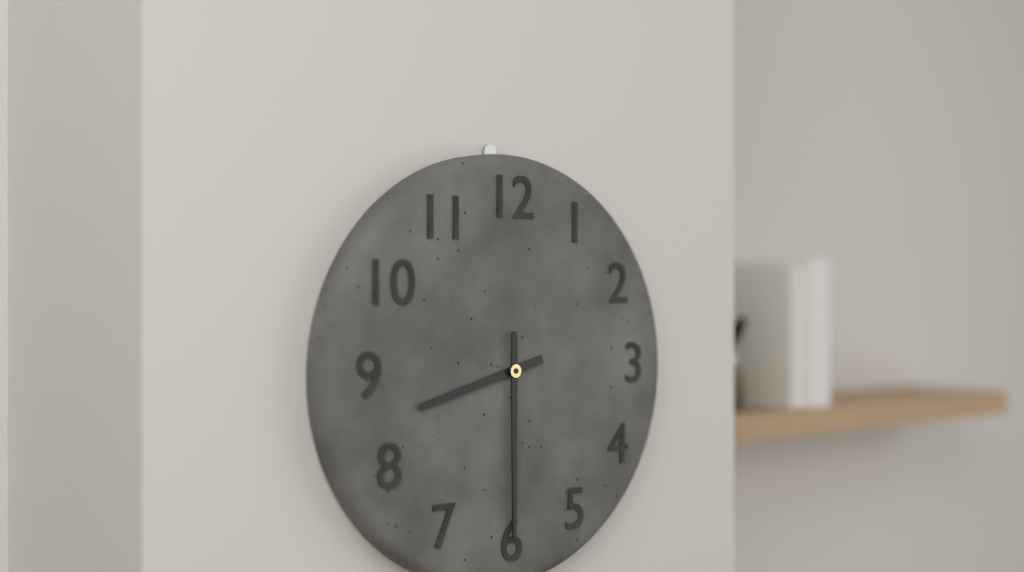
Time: **8:30**
